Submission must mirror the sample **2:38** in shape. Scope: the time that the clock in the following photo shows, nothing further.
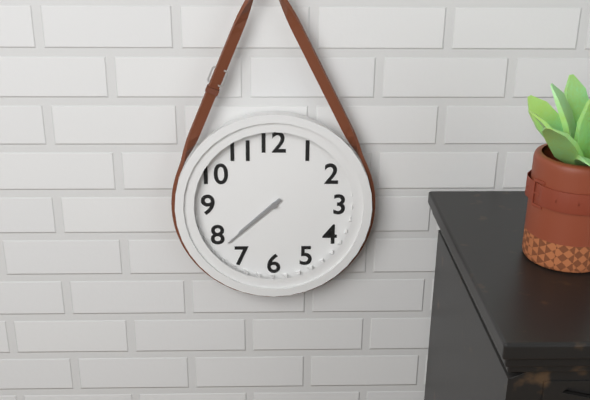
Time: **7:38**
